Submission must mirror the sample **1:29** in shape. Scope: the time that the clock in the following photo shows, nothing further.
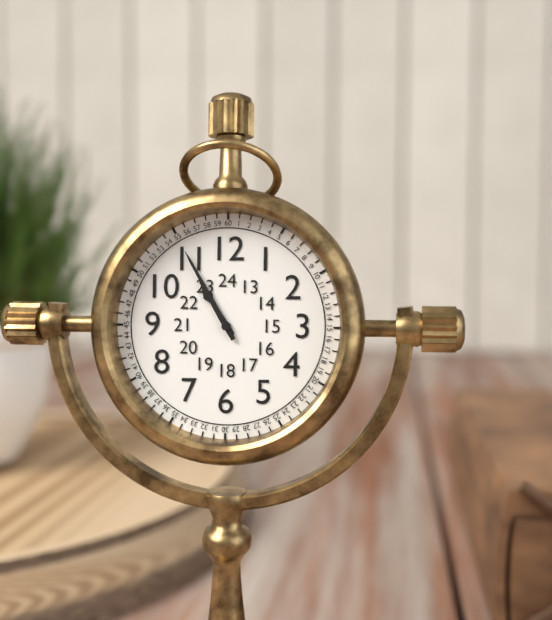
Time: **10:55**
